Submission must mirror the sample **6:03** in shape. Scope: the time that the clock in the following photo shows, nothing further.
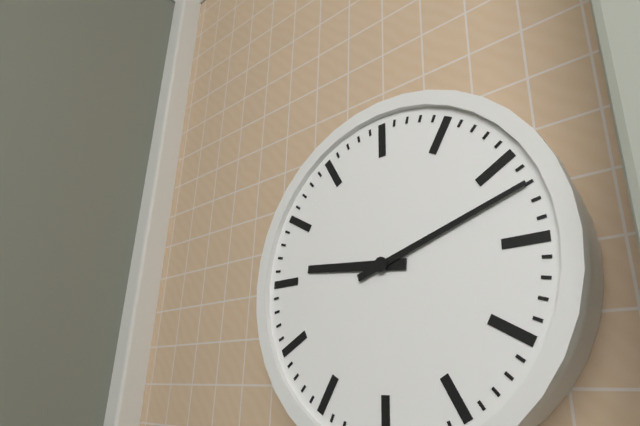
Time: **9:12**
